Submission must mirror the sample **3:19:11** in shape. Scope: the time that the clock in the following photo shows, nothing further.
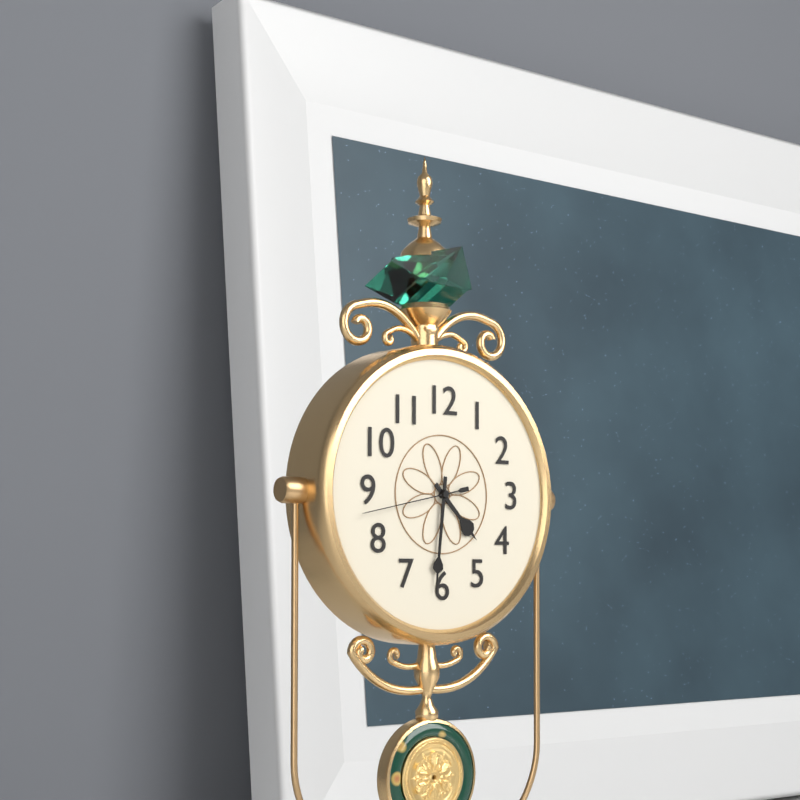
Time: **4:31:43**
